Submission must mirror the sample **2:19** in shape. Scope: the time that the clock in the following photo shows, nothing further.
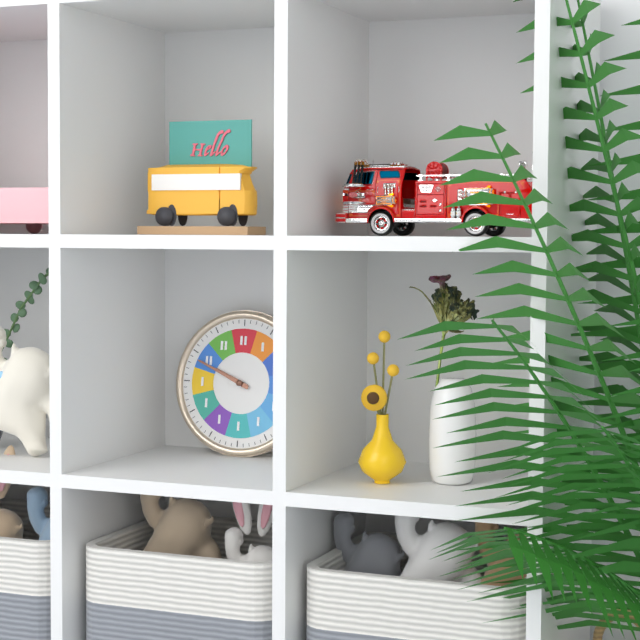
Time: **9:49**
